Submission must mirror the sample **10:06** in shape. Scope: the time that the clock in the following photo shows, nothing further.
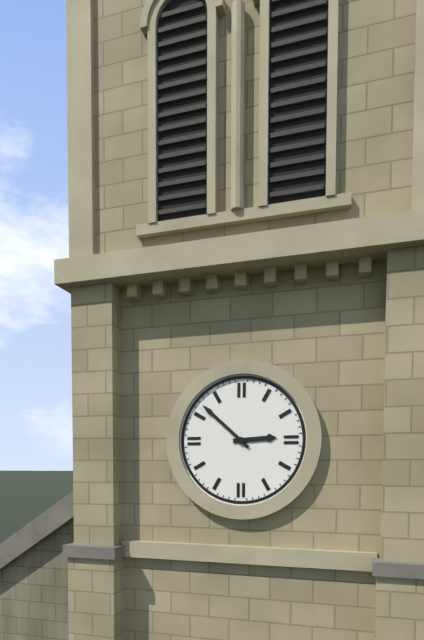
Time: **2:52**
